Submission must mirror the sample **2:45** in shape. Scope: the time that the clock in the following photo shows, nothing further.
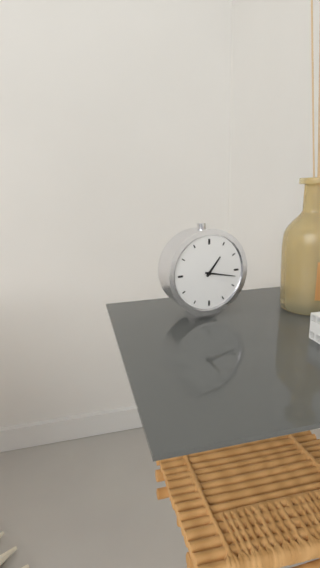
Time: **1:17**
